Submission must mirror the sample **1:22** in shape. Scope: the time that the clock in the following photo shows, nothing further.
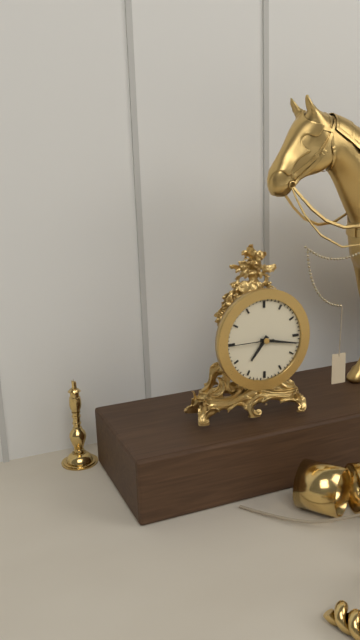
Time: **7:17**
